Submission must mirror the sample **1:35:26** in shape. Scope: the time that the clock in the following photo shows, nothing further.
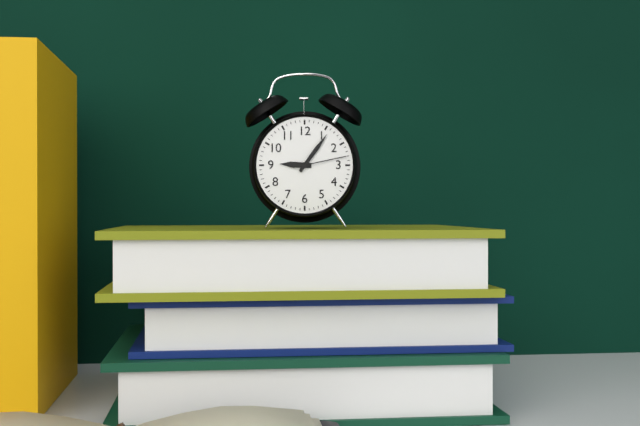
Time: **9:06:13**
